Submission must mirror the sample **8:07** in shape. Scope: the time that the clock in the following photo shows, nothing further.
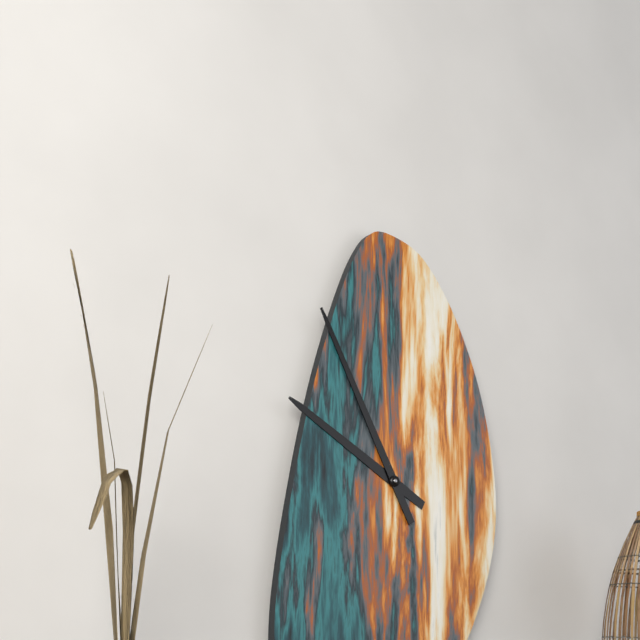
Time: **9:55**
